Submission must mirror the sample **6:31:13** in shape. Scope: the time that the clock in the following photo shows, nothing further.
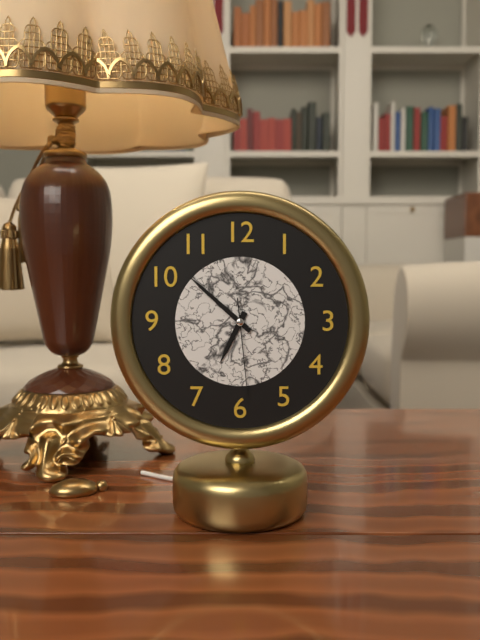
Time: **6:52:29**
